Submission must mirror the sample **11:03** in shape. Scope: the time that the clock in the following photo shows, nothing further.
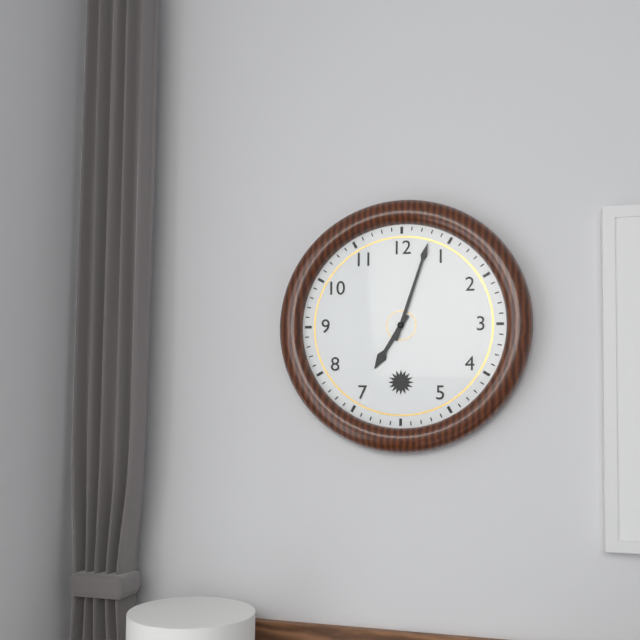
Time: **7:03**
